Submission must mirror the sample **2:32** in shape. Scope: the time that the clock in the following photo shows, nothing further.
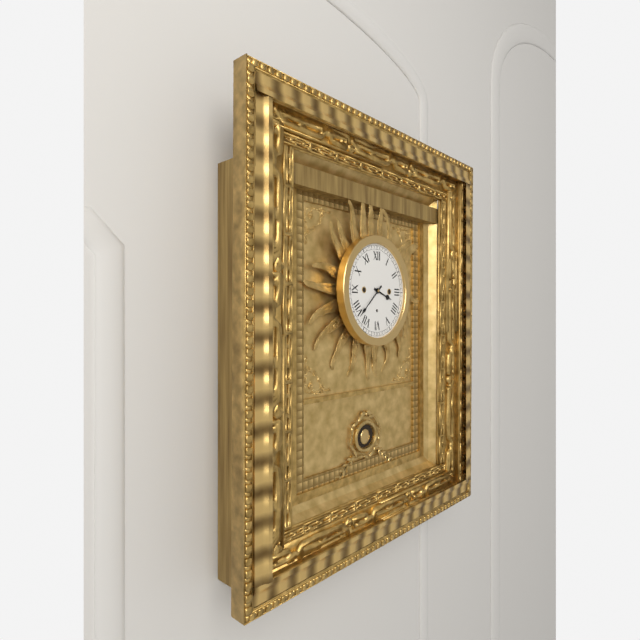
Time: **3:38**
